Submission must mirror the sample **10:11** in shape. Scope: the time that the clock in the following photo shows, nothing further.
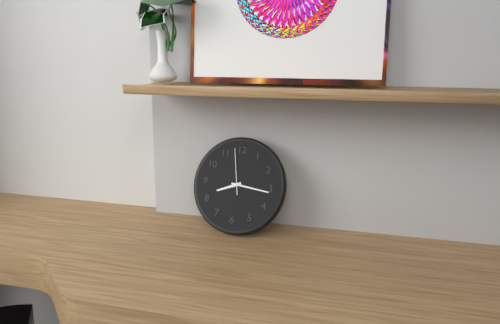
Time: **8:16**
